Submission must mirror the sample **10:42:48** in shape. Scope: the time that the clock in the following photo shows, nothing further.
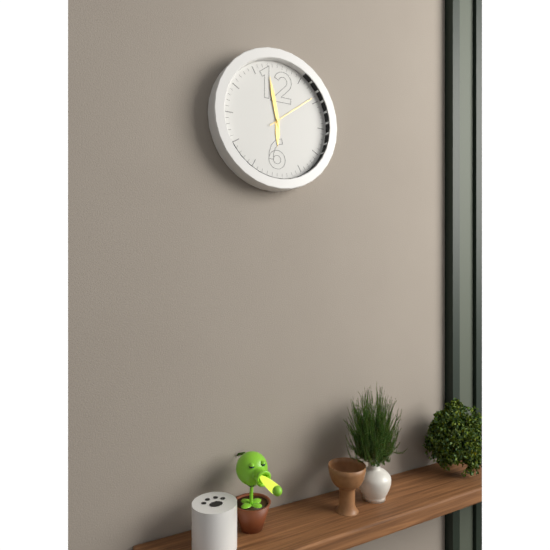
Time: **5:58:09**
